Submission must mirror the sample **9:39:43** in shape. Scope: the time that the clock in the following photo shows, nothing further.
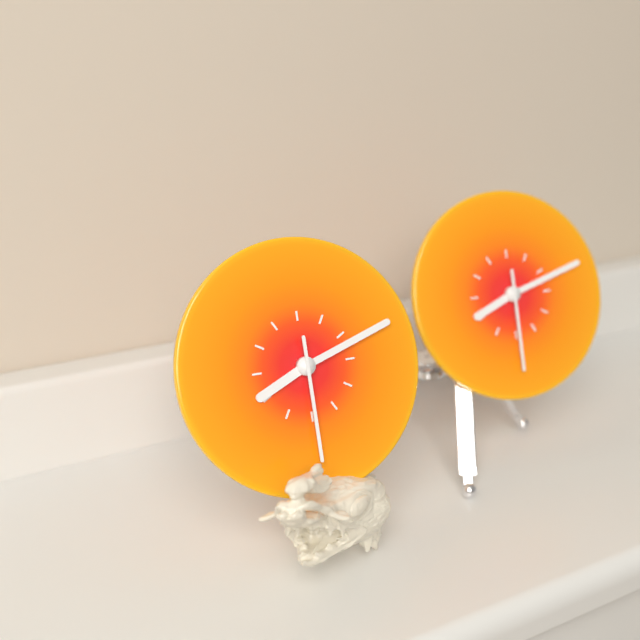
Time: **8:12:30**
